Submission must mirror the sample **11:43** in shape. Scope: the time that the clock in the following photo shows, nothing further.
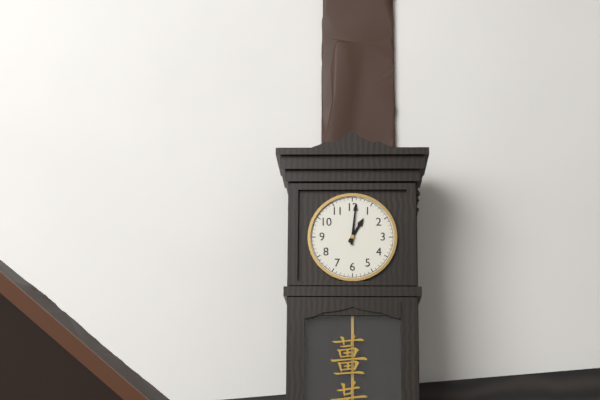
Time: **1:01**
